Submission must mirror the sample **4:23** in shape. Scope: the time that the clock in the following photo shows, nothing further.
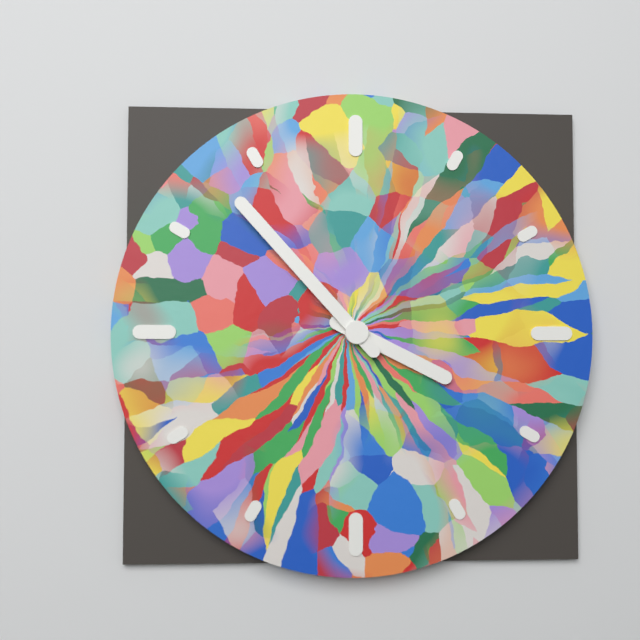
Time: **3:53**
